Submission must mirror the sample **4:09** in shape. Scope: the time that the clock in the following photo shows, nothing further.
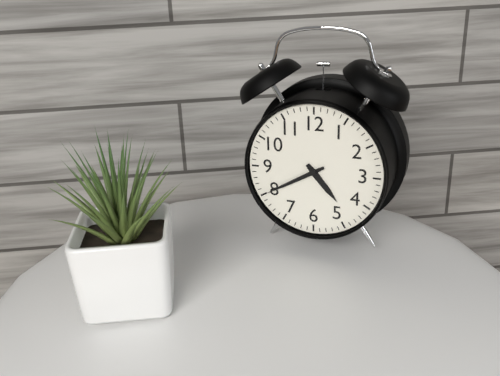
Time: **4:40**
